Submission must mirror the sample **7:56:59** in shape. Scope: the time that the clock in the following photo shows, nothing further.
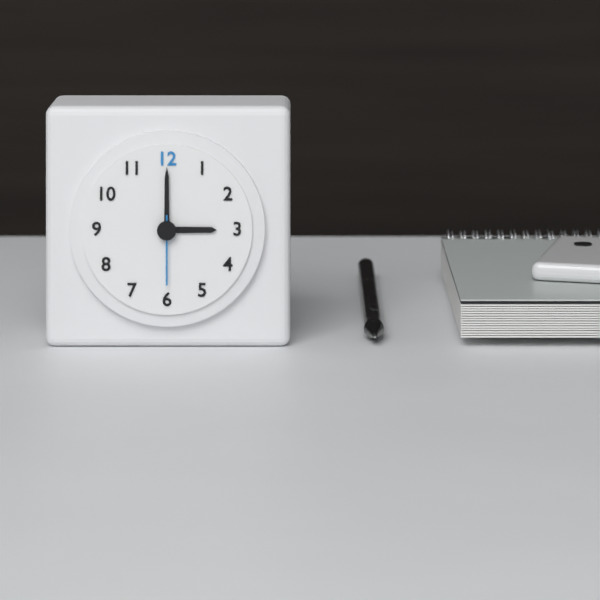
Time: **3:00:30**
